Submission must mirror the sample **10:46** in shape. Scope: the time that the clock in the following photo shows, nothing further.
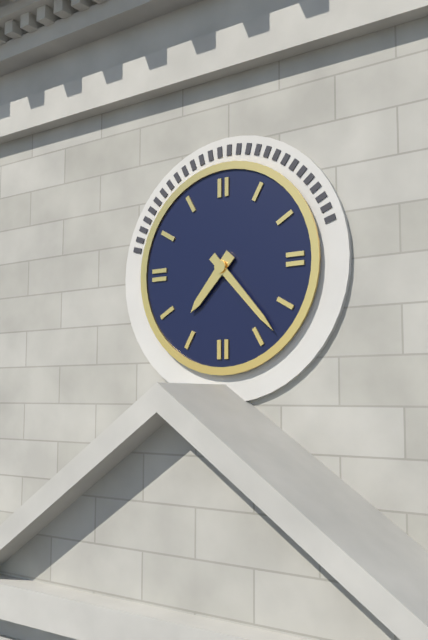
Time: **7:23**
